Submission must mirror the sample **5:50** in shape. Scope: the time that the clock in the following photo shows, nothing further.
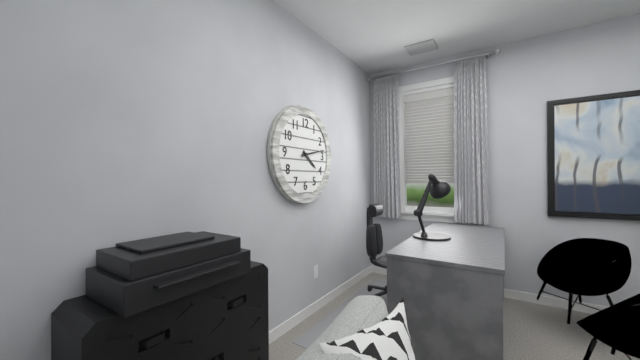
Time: **4:13**
